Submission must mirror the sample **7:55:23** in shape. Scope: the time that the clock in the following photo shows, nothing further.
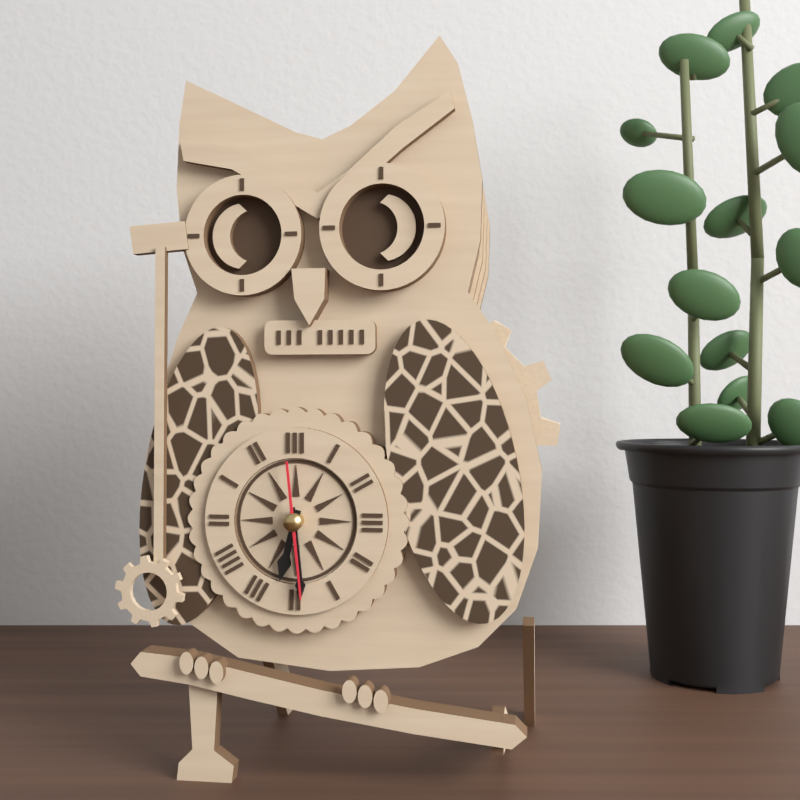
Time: **6:29:29**
